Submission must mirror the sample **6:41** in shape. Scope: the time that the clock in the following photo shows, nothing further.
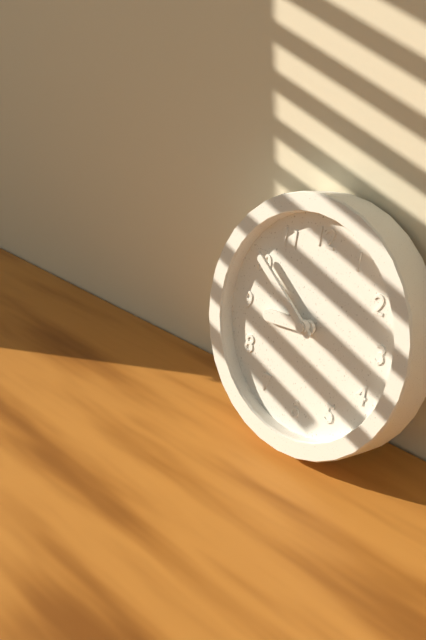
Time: **8:51**
